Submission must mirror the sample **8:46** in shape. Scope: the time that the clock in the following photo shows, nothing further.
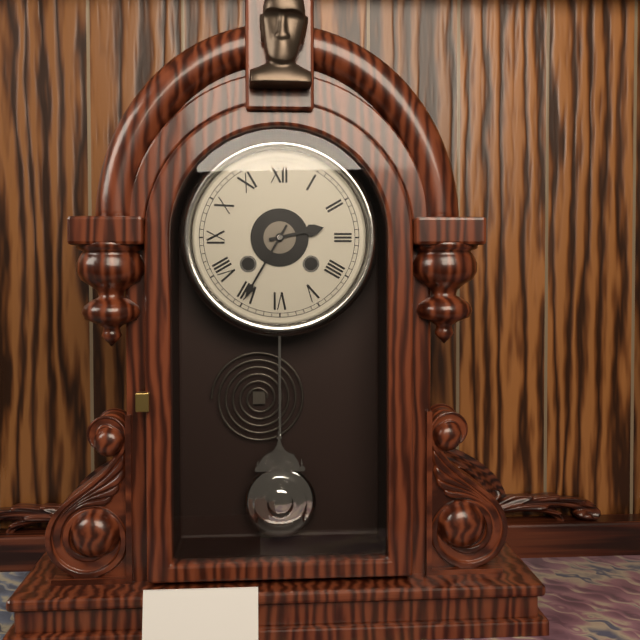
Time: **2:35**
